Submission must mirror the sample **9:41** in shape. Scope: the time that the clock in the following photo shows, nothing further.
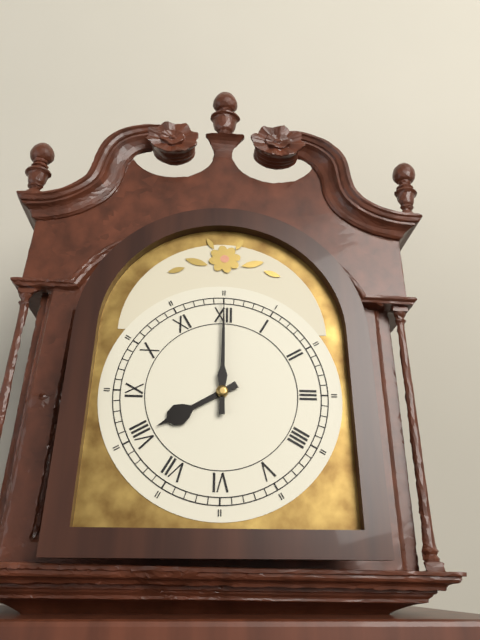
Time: **8:00**
